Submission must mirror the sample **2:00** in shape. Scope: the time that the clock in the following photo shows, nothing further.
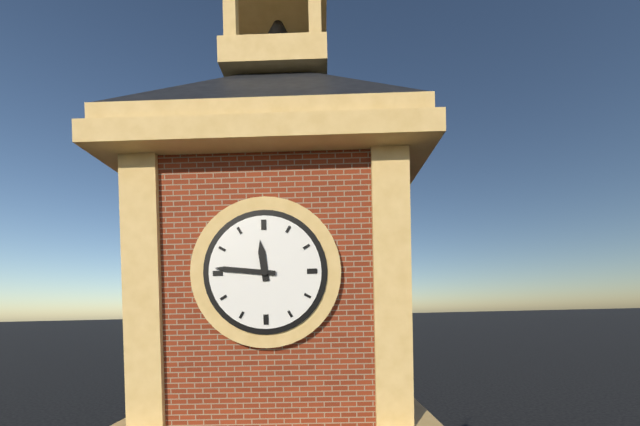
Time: **11:46**
